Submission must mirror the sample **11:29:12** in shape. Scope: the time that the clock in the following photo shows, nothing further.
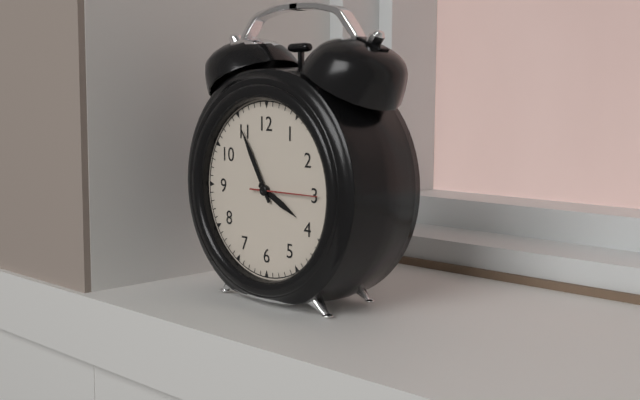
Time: **3:55:15**
